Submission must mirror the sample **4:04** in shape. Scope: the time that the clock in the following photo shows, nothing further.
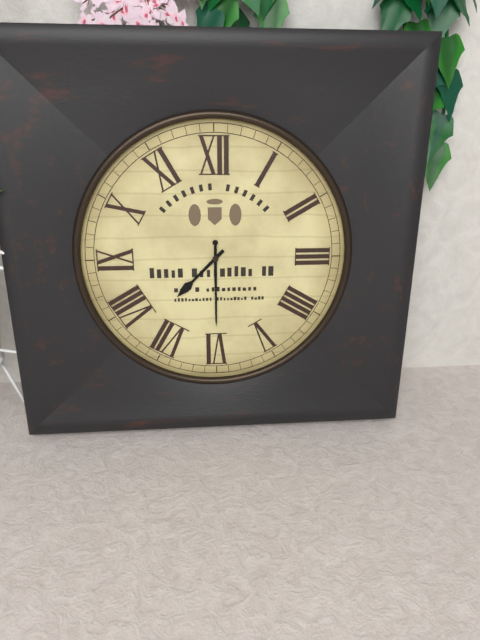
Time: **7:30**
